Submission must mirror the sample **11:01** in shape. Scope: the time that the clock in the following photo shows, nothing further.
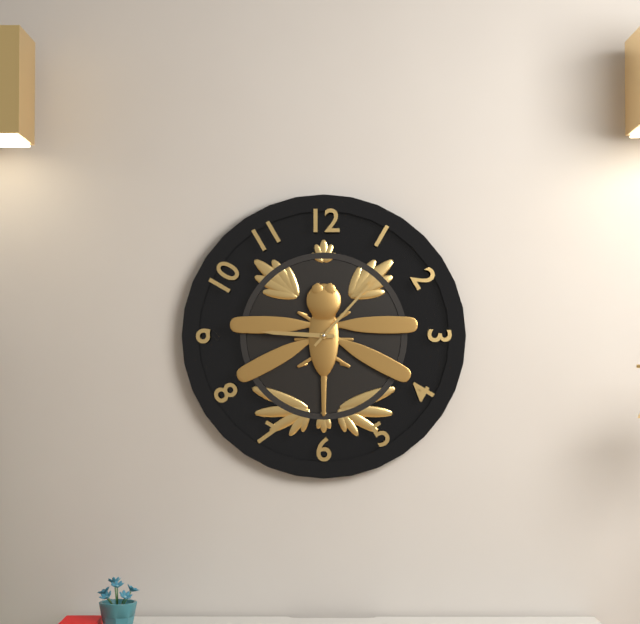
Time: **9:07**
